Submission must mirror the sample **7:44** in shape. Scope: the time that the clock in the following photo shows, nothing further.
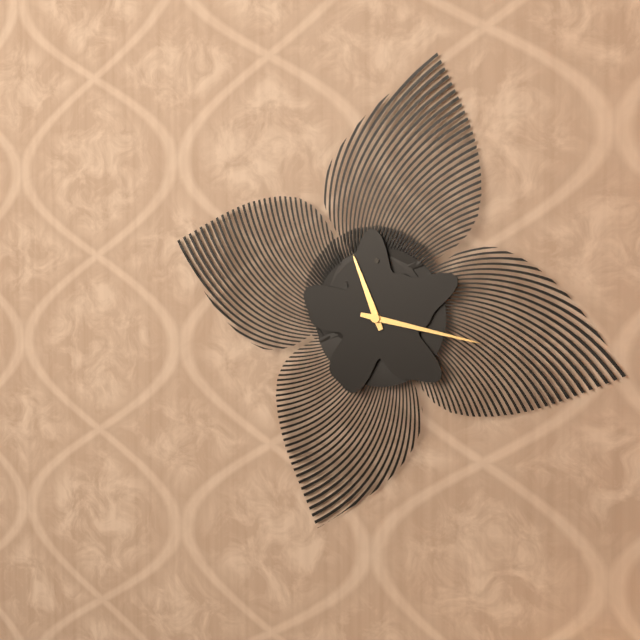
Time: **11:17**
